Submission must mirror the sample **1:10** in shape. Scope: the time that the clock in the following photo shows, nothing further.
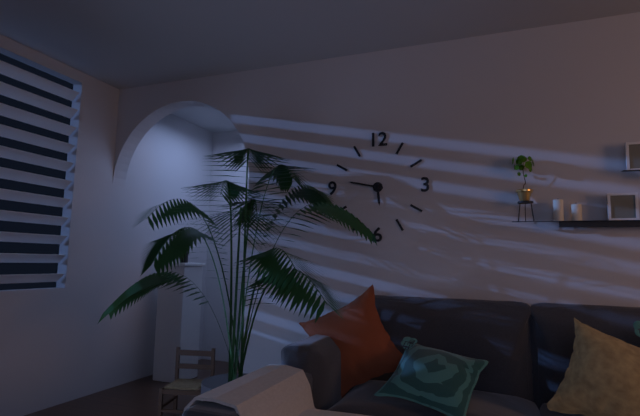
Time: **5:47**
